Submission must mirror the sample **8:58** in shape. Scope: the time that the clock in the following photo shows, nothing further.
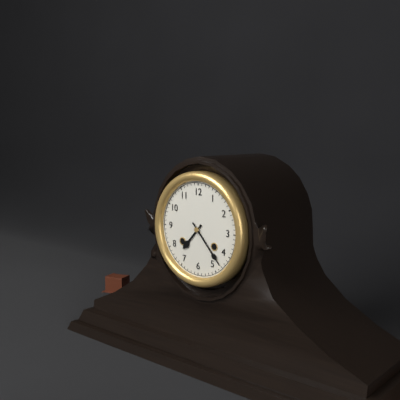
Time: **7:23**
